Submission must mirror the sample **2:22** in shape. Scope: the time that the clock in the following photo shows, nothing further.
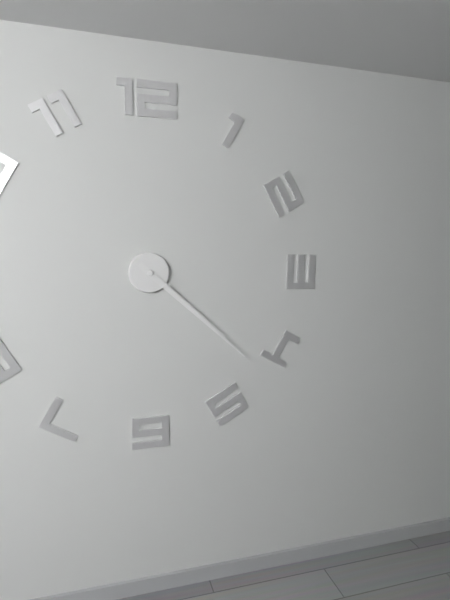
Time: **4:22**
